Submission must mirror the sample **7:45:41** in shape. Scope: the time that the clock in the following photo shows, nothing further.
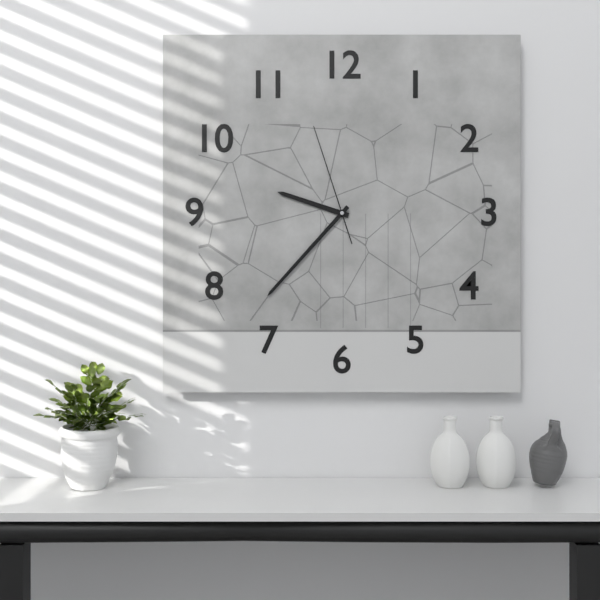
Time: **9:37:57**
